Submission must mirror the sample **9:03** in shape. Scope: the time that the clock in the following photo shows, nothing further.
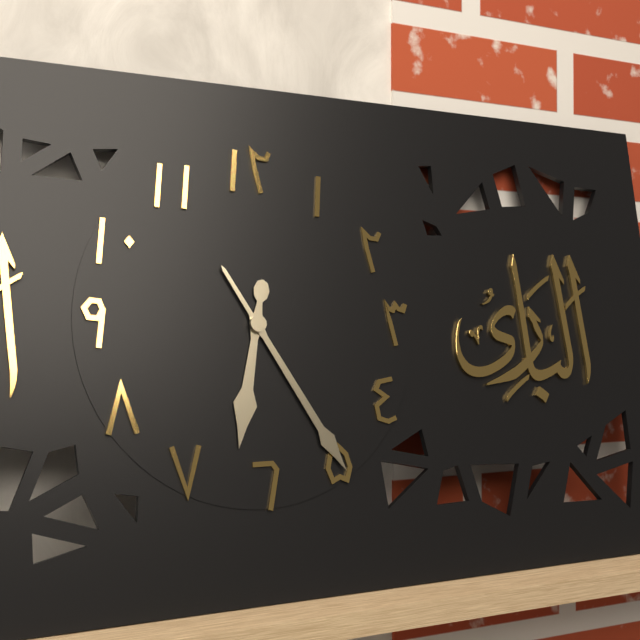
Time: **6:25**
